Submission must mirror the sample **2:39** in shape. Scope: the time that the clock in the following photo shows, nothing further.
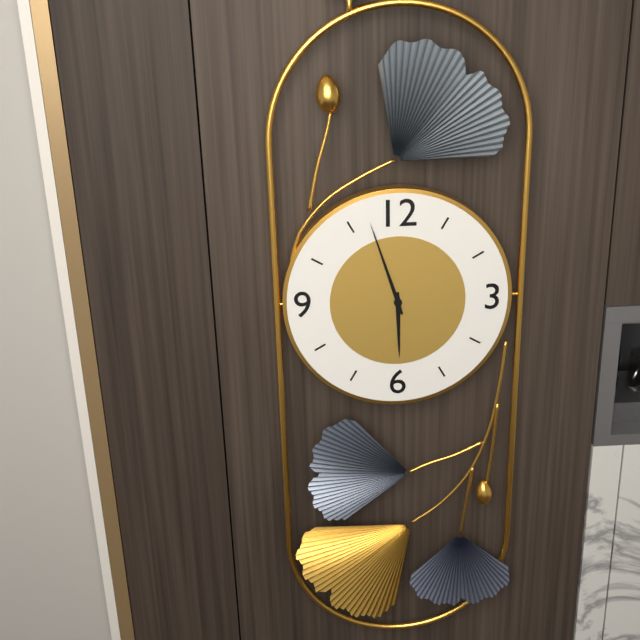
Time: **5:57**
